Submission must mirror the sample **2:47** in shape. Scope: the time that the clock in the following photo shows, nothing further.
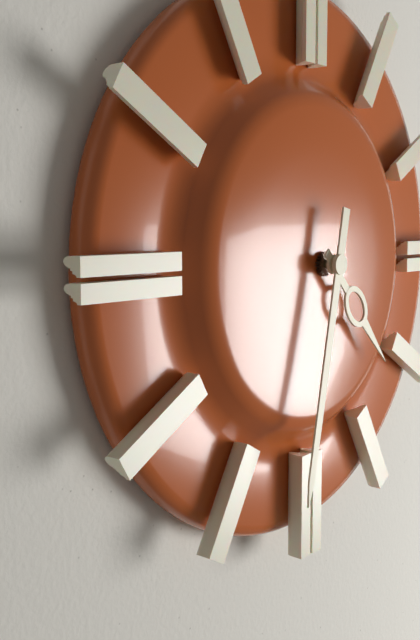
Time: **4:32**
